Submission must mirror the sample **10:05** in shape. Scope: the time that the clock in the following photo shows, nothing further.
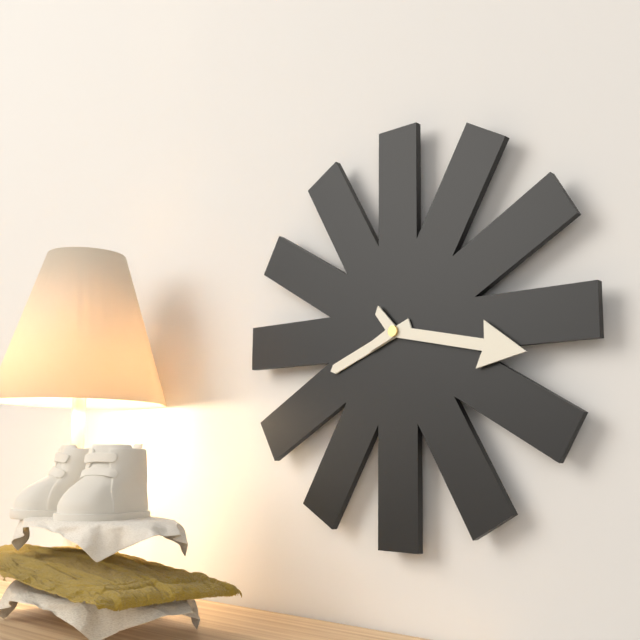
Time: **8:17**
